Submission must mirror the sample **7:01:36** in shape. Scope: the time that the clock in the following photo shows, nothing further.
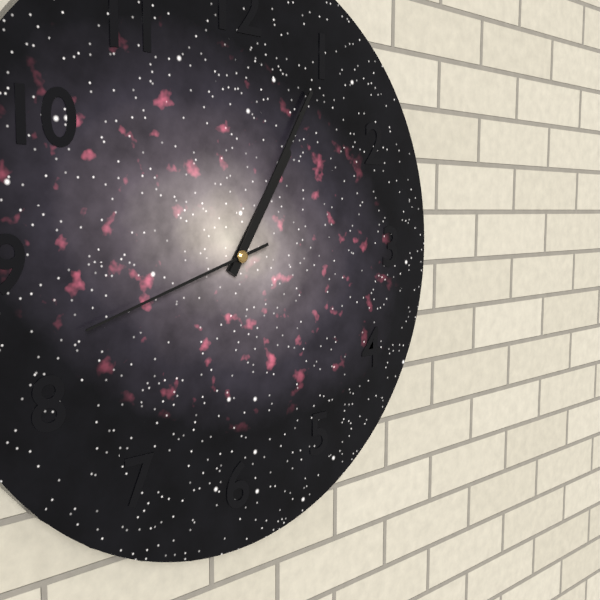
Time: **1:05:42**
